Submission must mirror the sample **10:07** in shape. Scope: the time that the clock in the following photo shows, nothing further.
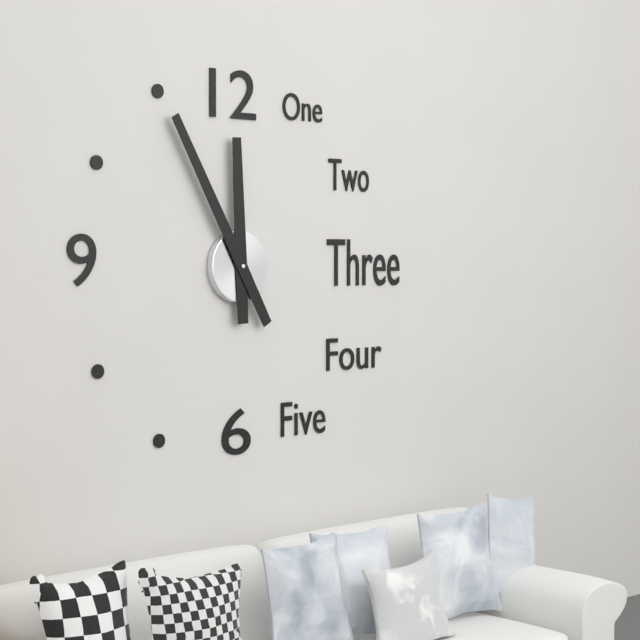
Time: **11:55**
